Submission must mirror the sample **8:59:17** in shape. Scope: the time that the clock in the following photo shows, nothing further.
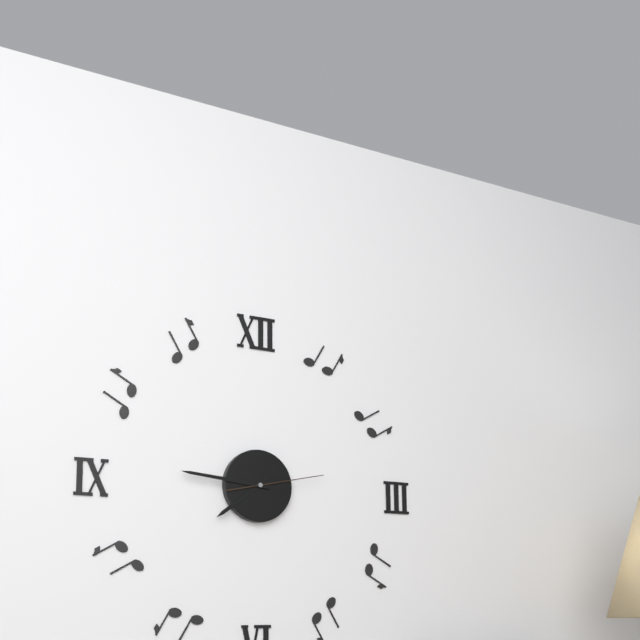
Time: **7:46:13**
